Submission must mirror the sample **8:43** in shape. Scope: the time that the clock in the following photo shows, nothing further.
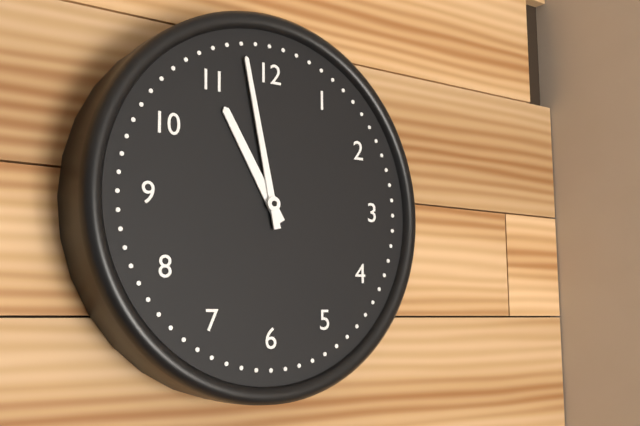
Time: **10:58**
